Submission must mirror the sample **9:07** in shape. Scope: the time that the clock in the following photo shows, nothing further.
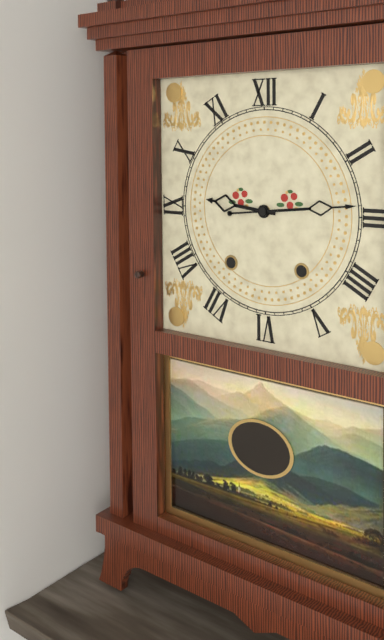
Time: **9:14**
